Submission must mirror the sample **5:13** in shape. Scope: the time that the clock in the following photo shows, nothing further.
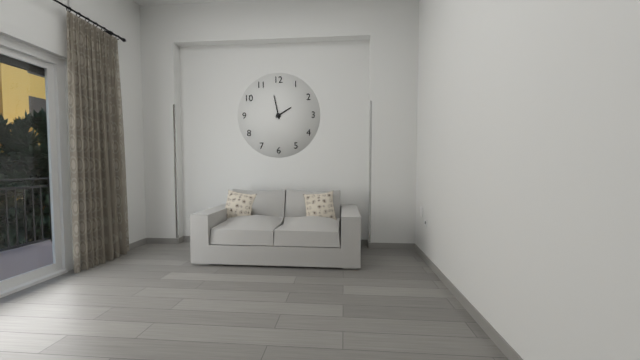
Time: **1:58**
